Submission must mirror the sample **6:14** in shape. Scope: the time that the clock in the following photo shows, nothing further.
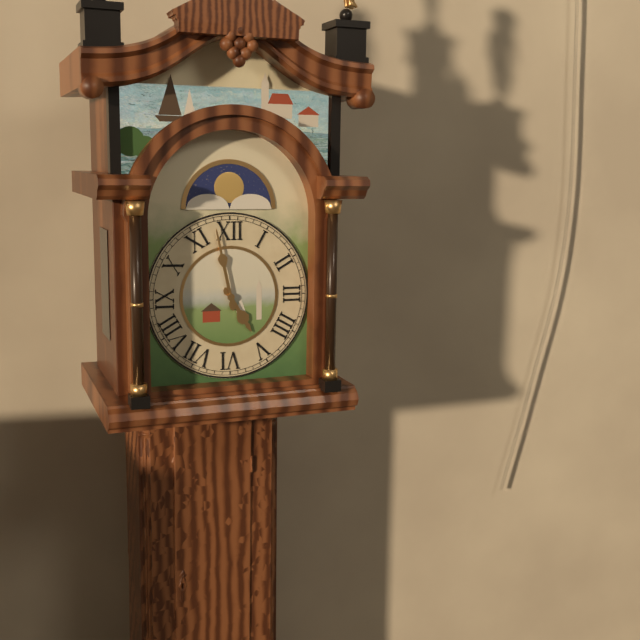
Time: **4:58**
